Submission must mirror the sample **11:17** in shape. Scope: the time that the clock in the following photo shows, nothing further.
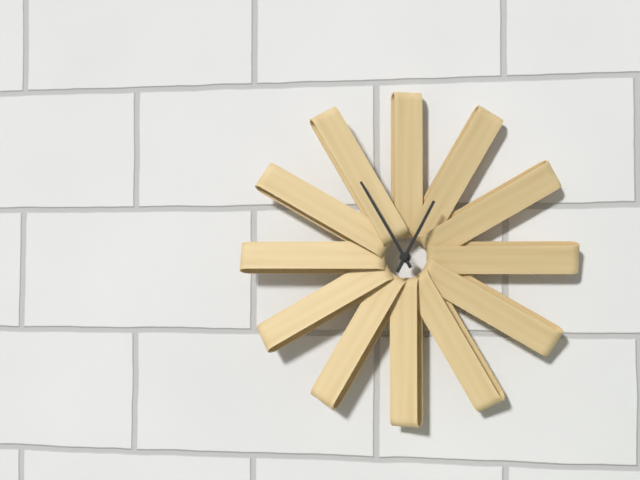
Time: **12:55**
